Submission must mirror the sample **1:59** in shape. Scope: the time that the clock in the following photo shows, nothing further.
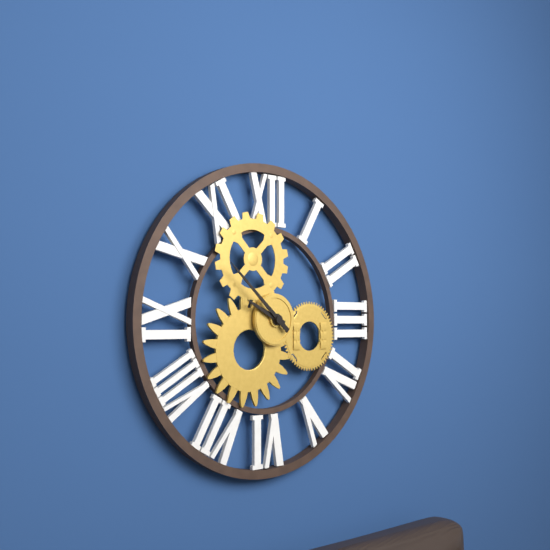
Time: **9:52**
